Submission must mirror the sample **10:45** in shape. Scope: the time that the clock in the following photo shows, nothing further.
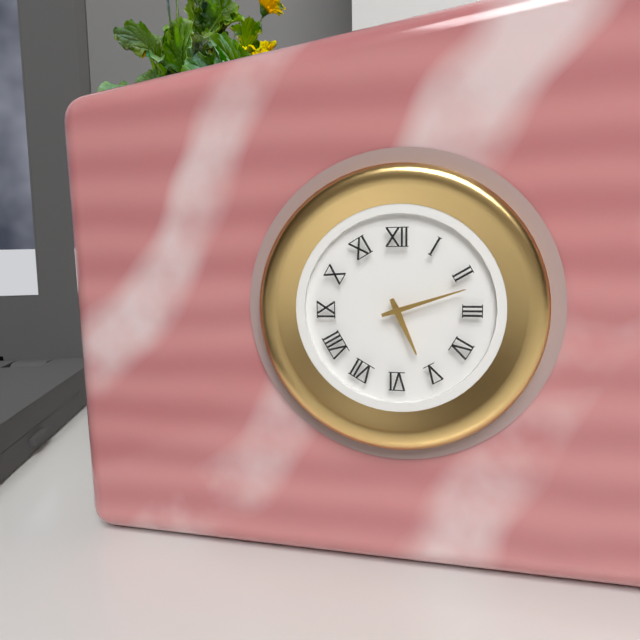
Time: **5:12**
